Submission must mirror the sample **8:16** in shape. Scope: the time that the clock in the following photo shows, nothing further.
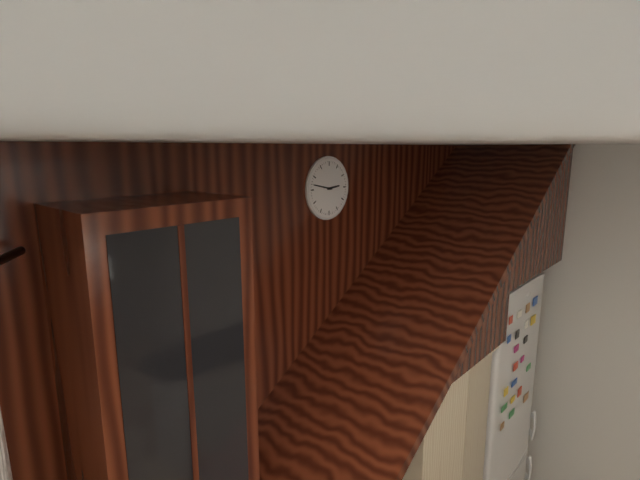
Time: **2:47**
